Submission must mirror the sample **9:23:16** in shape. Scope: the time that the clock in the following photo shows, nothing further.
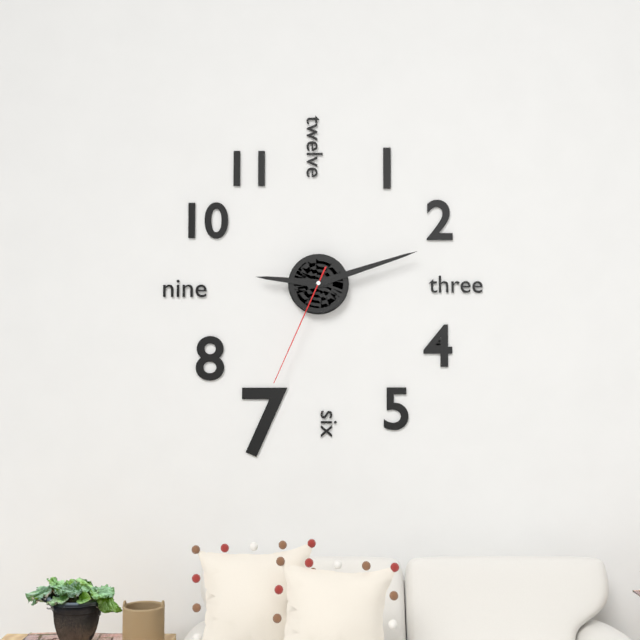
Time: **9:12:34**
